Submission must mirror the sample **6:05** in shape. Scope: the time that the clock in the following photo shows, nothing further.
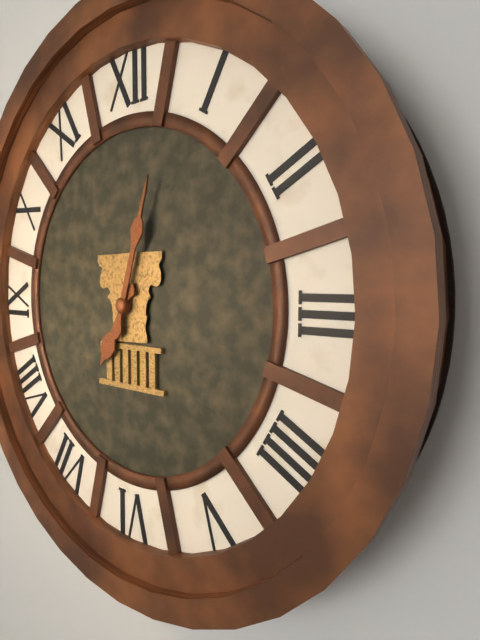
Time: **7:03**
